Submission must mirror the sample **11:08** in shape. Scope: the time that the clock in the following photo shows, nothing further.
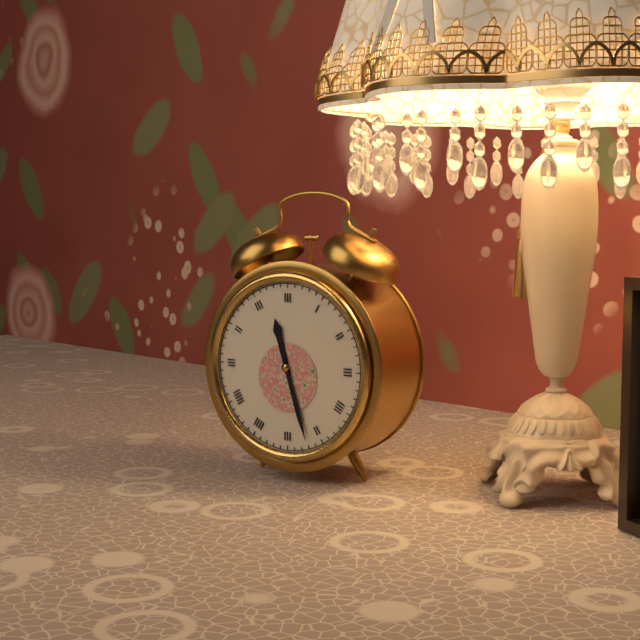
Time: **11:27**
